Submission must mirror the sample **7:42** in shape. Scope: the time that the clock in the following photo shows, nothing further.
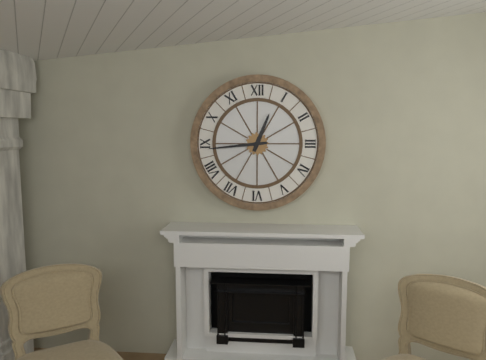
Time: **12:44**
